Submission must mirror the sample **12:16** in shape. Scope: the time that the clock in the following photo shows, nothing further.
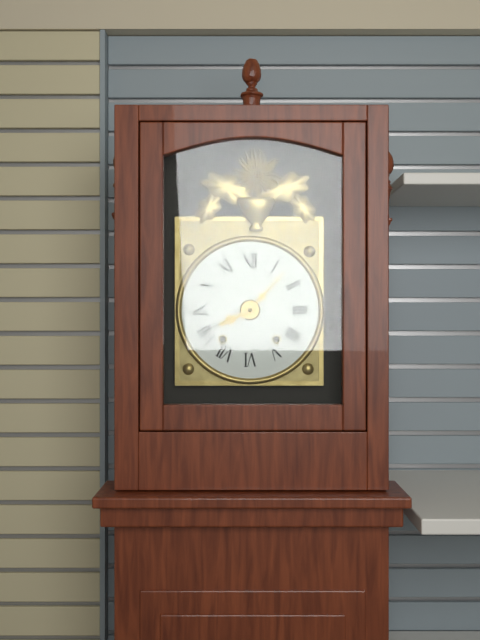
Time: **8:07**
